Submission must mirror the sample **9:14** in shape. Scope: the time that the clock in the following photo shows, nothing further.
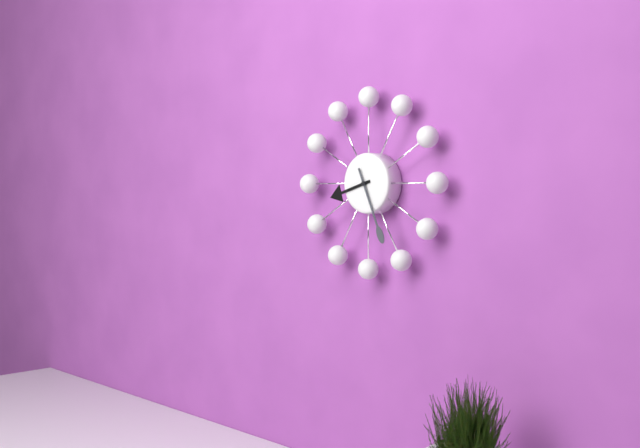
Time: **8:26**
